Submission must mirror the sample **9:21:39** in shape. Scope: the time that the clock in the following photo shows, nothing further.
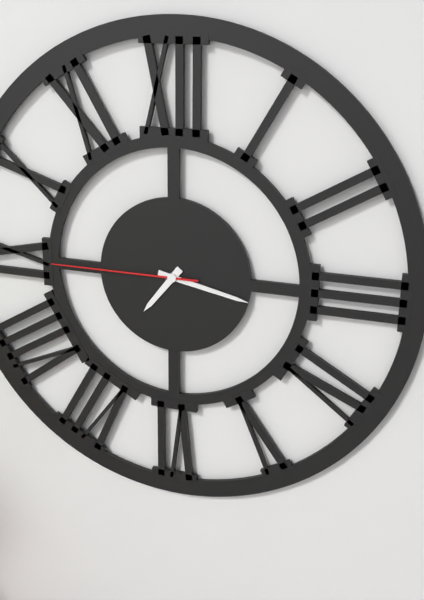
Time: **7:17:45**
